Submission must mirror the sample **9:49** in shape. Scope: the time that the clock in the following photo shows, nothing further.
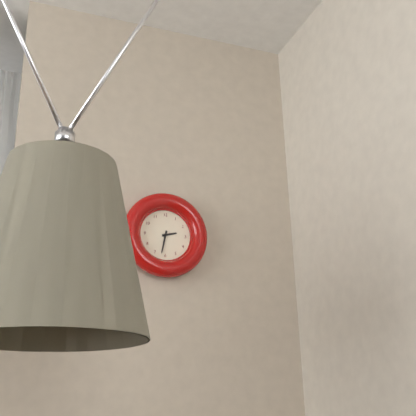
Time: **2:32**
